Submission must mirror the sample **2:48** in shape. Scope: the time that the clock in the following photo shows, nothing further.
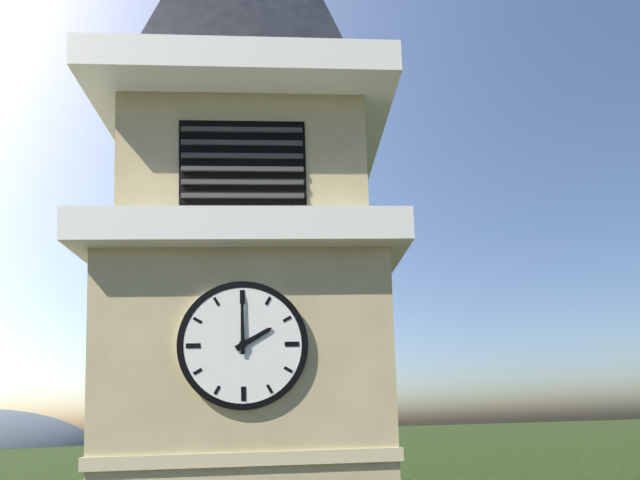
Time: **2:00**
